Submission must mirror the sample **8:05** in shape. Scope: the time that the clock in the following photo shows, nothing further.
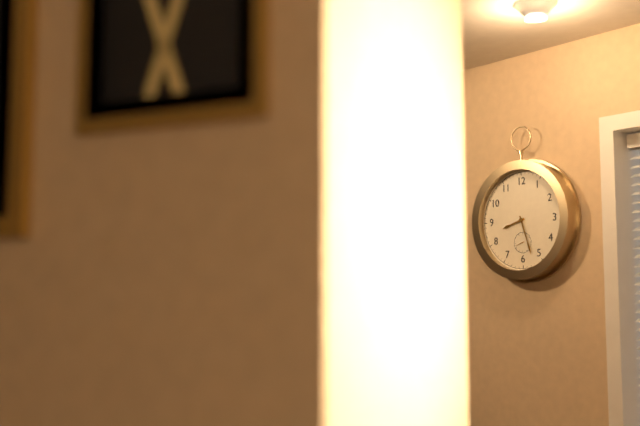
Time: **8:27**
